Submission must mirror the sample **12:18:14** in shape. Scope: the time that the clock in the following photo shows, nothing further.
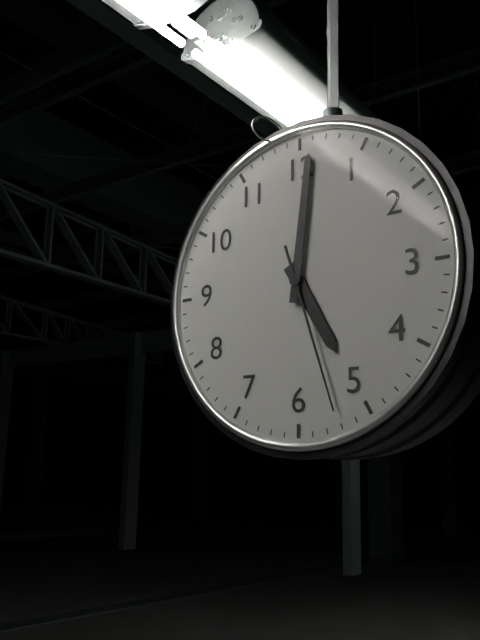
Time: **5:01:27**
